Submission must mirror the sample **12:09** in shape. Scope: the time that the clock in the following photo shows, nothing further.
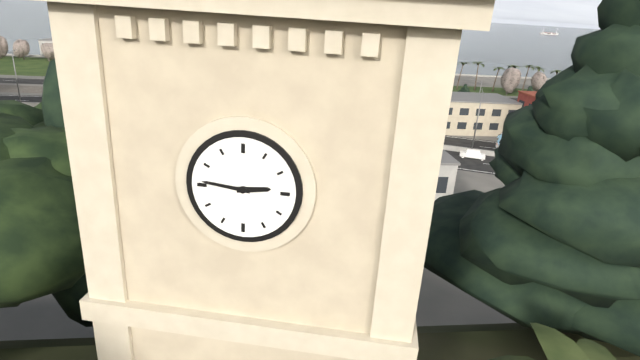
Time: **2:46**
